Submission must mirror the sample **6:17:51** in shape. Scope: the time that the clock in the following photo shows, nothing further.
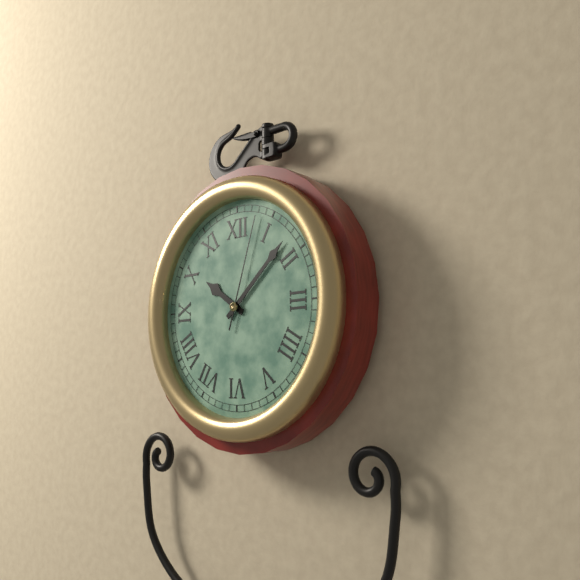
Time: **10:08:03**
